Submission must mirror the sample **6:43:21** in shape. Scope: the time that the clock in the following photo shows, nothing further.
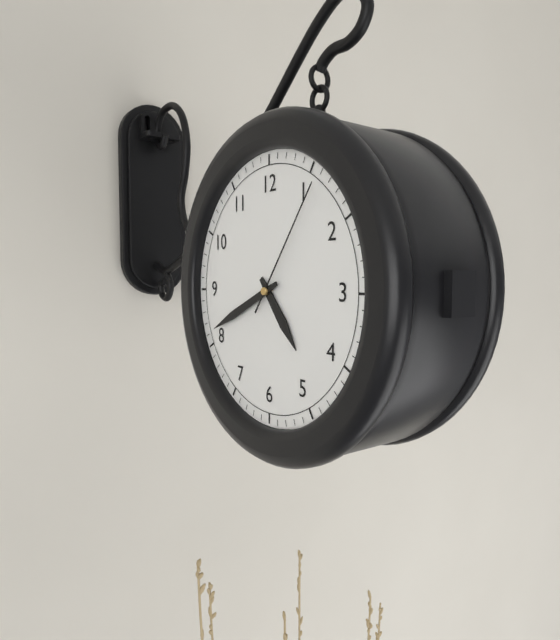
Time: **4:41:06**
